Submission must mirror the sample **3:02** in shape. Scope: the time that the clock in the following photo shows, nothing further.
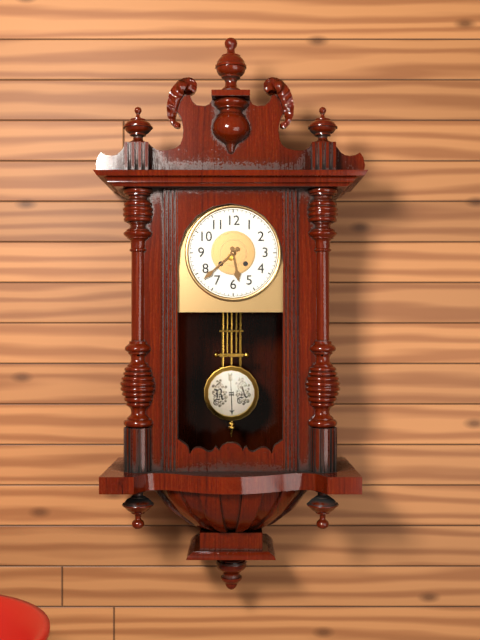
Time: **5:38**
